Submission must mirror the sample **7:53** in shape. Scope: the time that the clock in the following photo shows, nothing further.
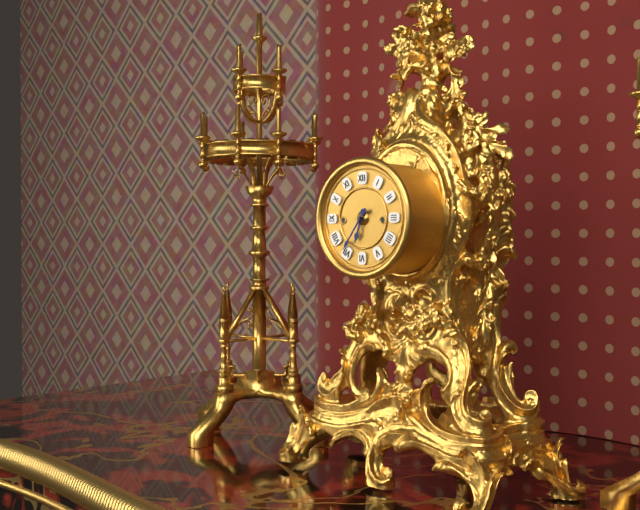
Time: **6:36**
